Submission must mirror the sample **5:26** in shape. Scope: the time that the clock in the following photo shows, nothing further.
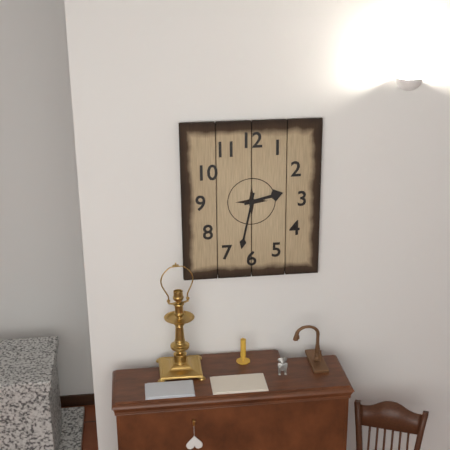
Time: **2:32**
